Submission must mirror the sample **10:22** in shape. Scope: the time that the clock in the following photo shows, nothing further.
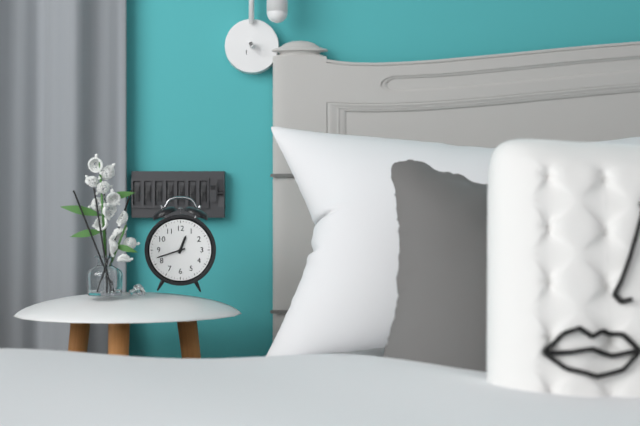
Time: **12:42**
